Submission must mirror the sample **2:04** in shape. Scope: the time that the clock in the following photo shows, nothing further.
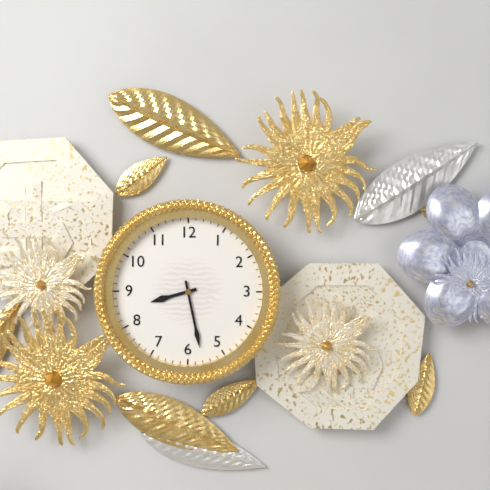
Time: **8:28**
